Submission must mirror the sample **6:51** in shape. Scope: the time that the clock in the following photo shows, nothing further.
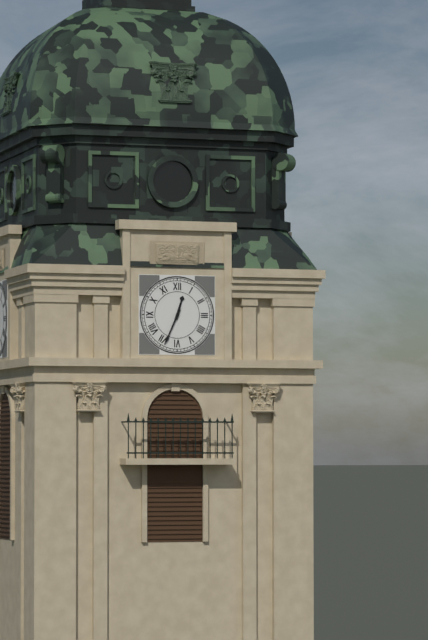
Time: **12:34**
